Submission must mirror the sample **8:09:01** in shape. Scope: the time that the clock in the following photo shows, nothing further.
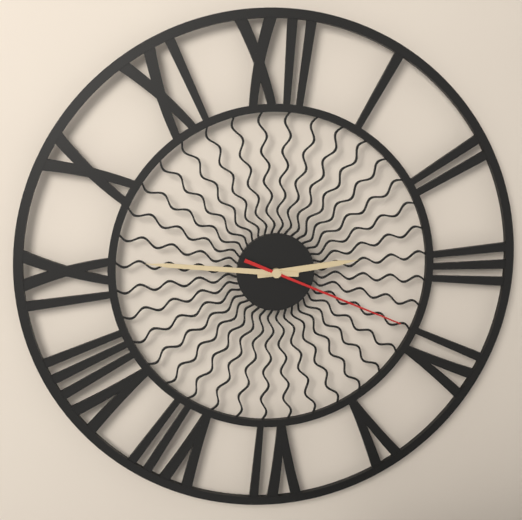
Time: **2:46:19**
